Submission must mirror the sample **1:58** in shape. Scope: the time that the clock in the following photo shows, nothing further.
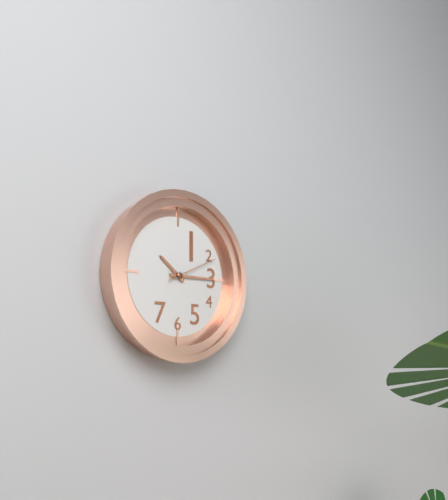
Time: **10:15**
